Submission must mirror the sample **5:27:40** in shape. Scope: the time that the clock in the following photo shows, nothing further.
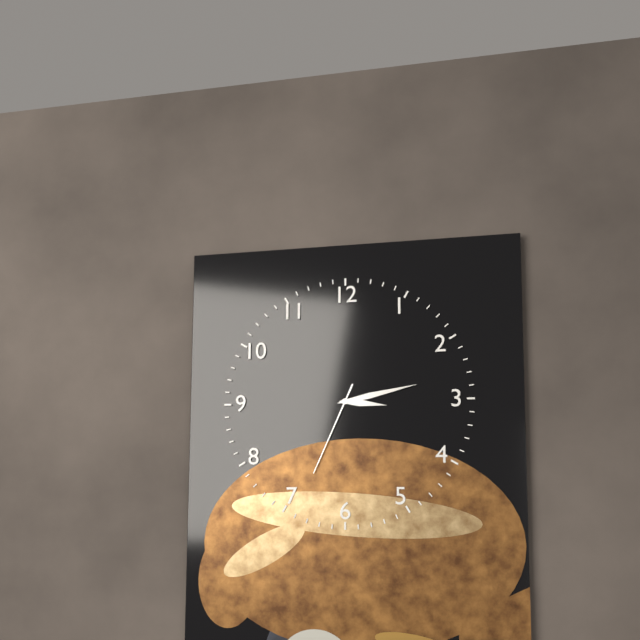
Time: **3:13:34**
